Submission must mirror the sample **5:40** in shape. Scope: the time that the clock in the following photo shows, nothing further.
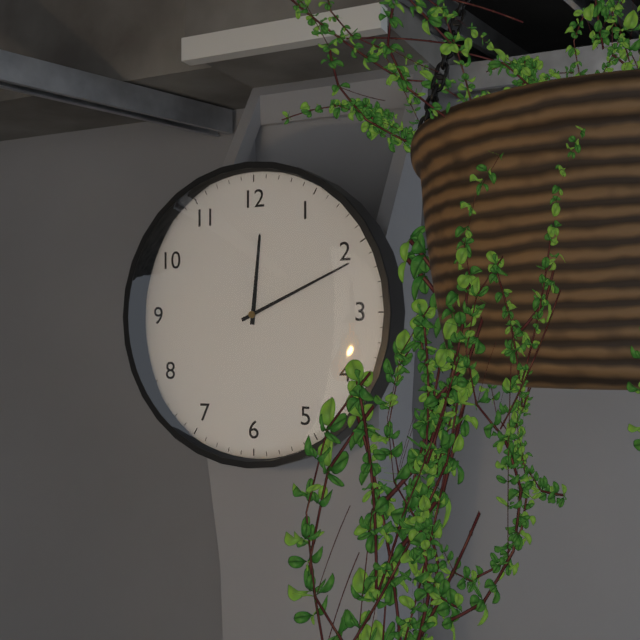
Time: **12:11**
